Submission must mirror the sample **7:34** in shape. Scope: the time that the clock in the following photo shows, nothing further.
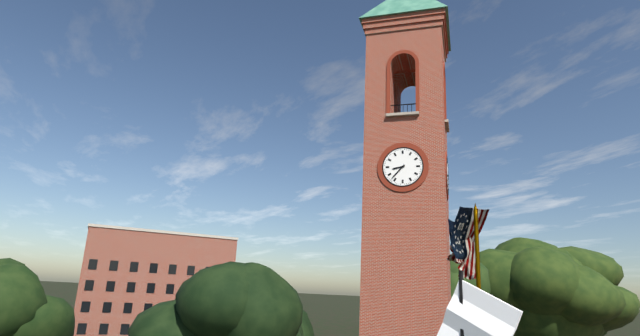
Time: **8:37**
